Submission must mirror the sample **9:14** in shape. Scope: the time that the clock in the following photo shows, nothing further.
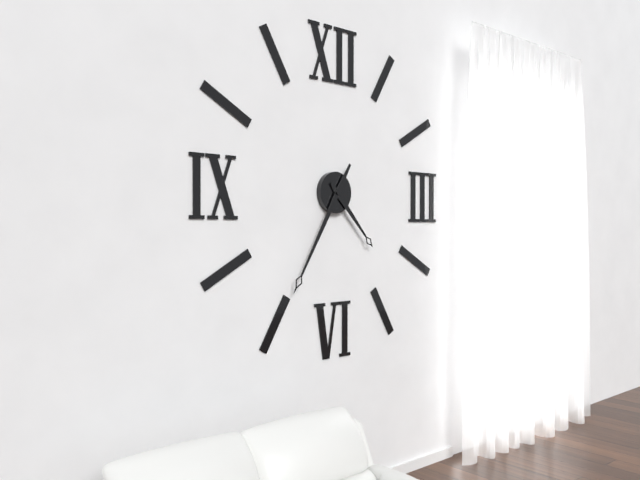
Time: **4:35**
